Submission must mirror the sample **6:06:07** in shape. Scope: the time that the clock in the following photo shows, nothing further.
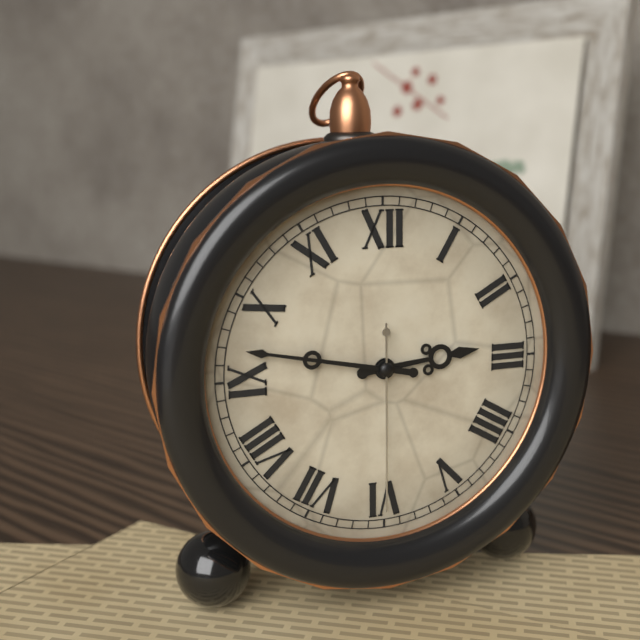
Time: **2:47:30**
